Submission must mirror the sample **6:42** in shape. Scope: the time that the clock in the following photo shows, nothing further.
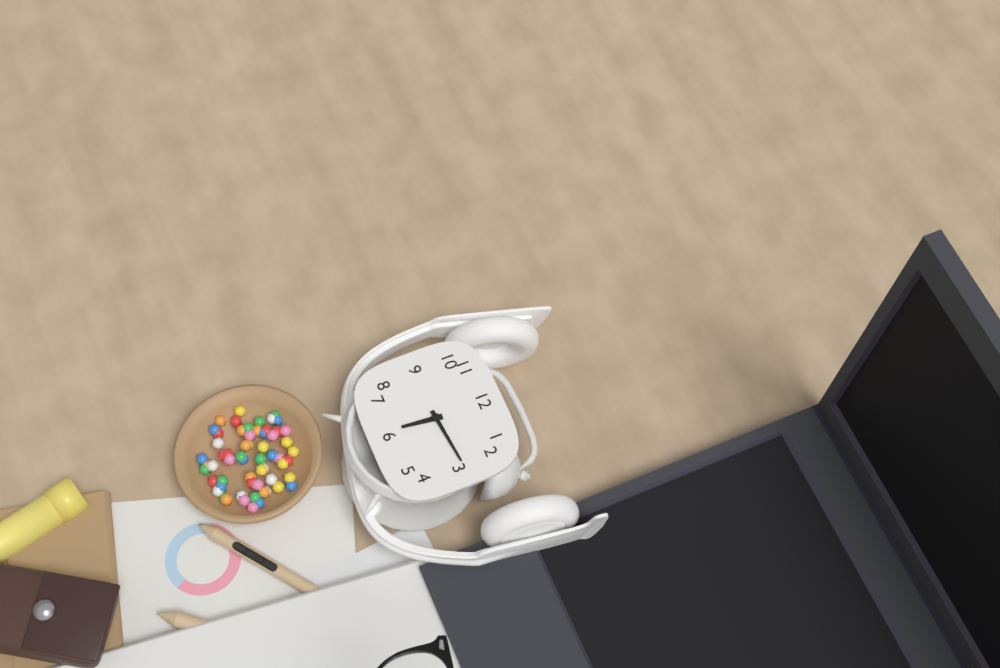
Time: **6:14**
